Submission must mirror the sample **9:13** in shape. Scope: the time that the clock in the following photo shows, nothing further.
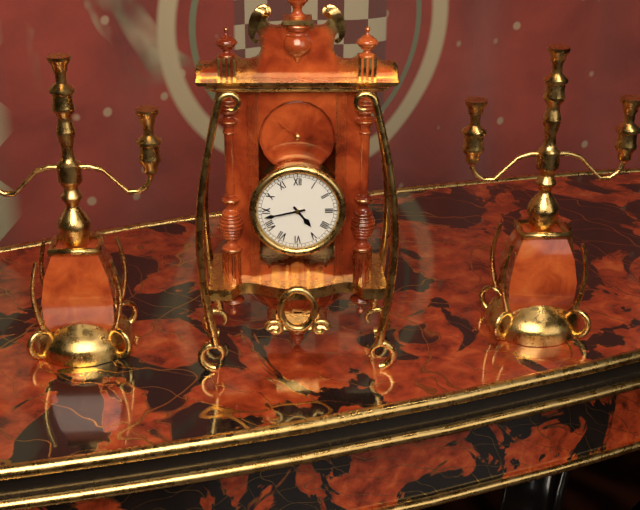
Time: **4:43**
